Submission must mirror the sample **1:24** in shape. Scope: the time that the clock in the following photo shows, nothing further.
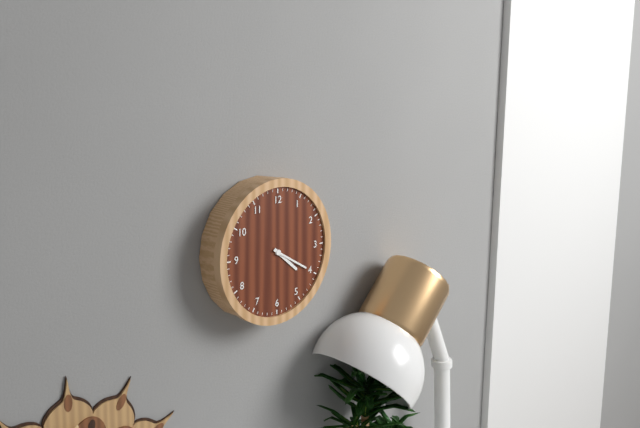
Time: **4:20**
